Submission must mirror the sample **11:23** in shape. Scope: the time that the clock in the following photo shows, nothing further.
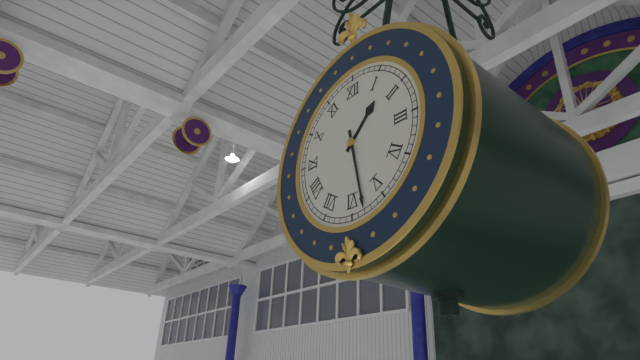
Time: **1:28**
